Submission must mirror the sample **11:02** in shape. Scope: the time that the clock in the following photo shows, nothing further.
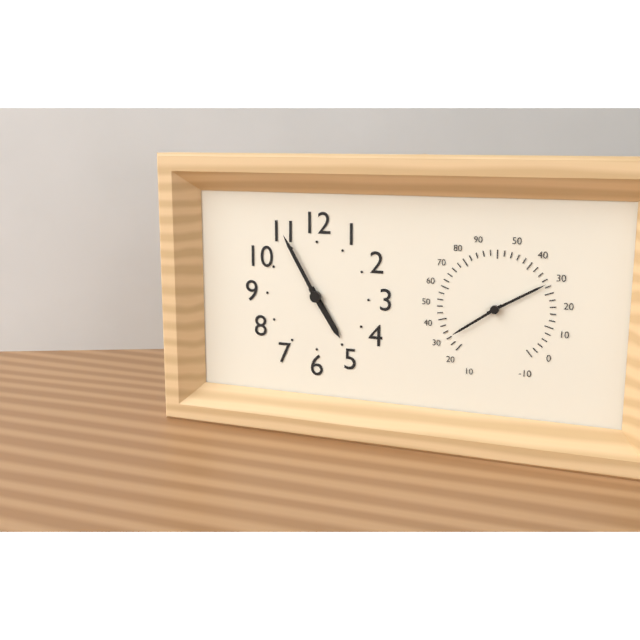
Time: **4:55**
